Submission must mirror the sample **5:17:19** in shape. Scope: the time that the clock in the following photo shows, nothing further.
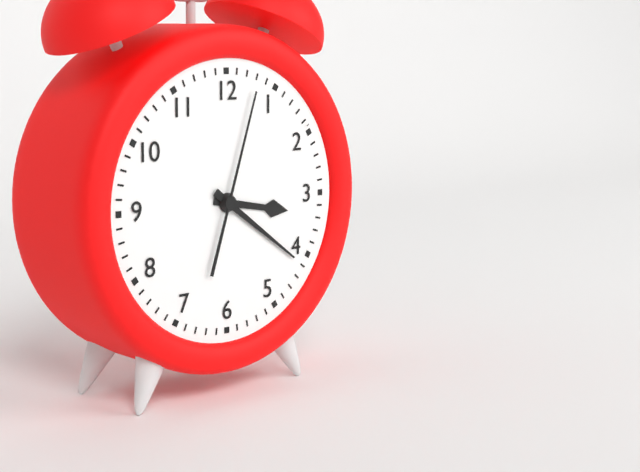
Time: **3:21:03**
